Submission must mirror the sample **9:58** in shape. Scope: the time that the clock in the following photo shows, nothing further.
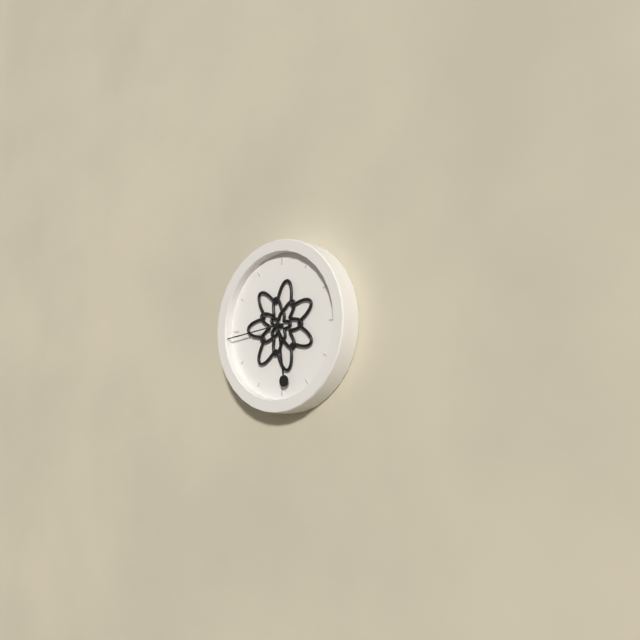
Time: **5:44**
